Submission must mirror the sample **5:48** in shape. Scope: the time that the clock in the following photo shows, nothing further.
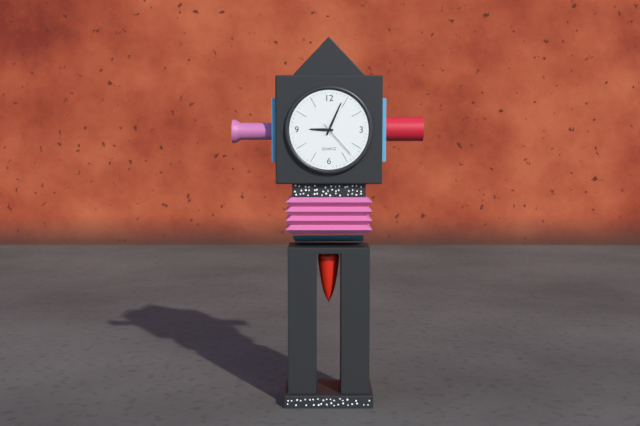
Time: **9:04**
